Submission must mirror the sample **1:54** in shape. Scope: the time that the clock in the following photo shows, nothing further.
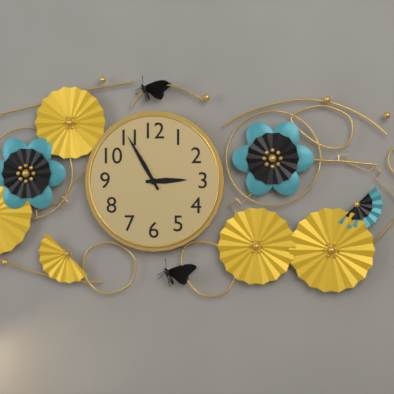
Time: **2:55**
